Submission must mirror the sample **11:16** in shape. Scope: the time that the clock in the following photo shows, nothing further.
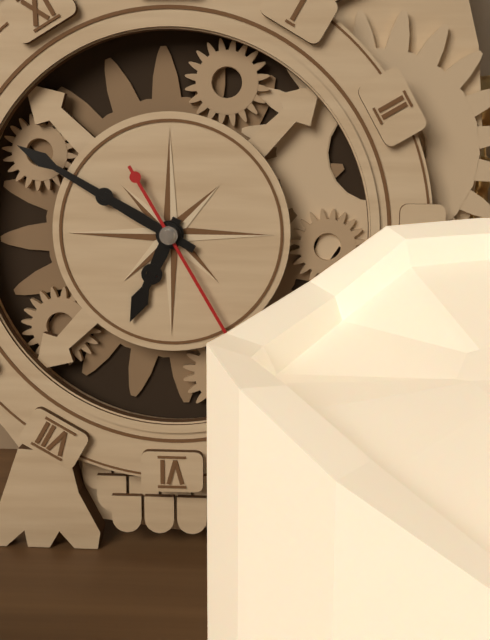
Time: **6:50**
